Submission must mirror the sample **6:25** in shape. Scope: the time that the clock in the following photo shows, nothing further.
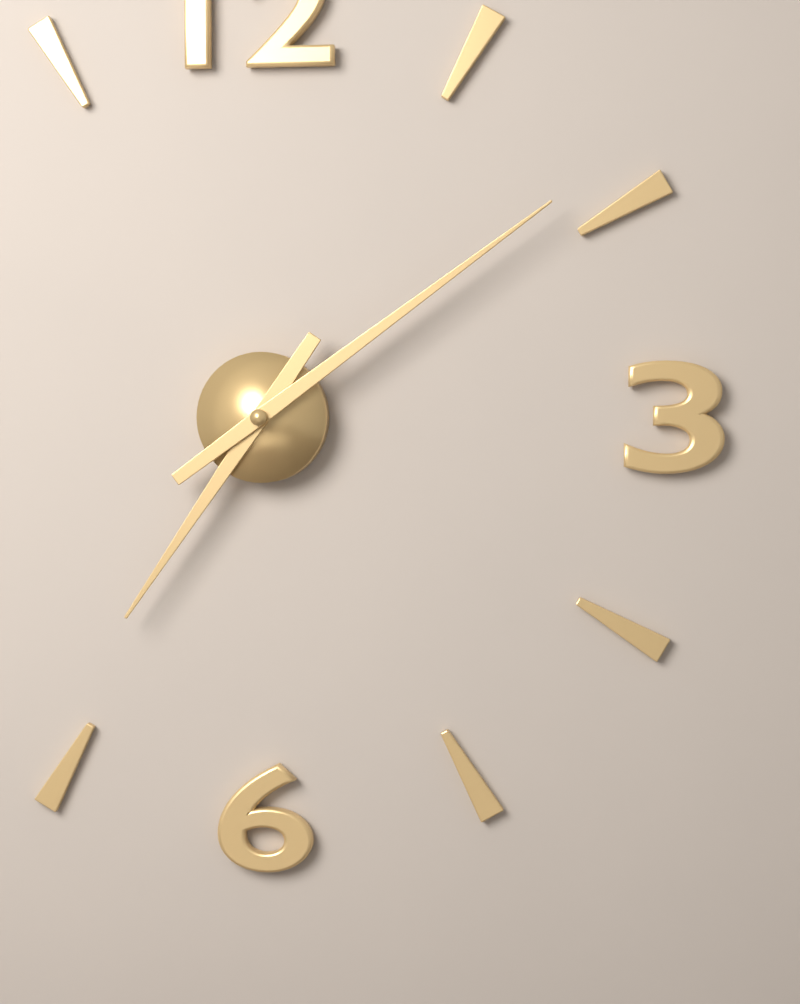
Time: **7:09**
